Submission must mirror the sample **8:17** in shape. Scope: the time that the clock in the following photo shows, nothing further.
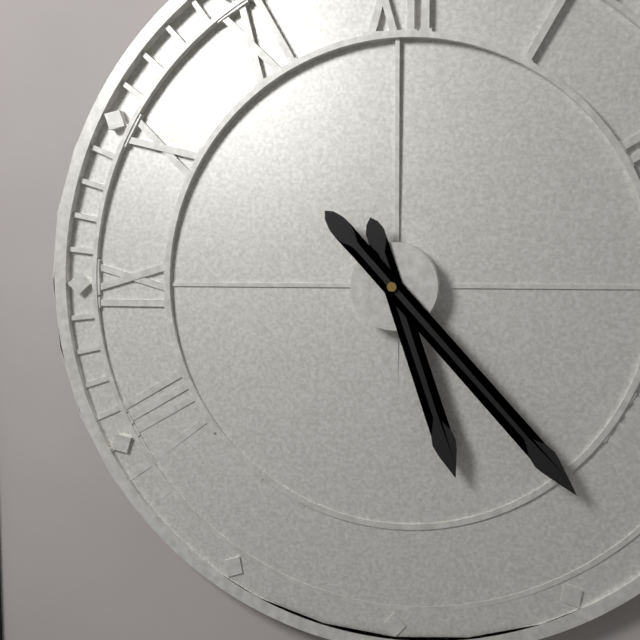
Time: **5:23**
